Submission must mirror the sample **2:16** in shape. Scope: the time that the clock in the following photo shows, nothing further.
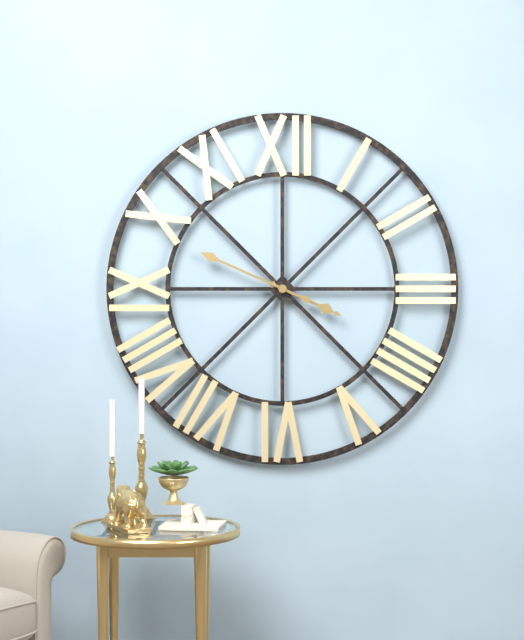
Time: **3:49**
